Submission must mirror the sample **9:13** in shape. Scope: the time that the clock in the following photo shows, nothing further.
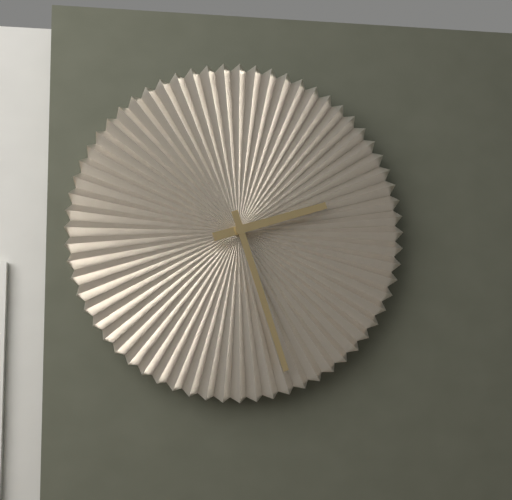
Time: **2:27**
